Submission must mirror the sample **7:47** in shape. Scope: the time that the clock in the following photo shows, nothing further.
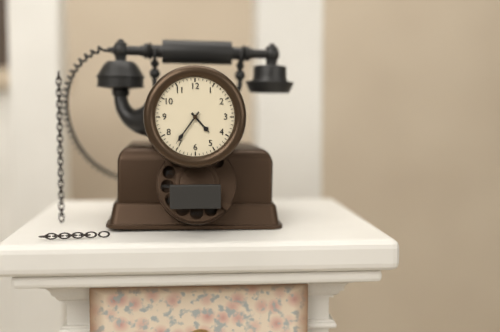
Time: **4:36**
